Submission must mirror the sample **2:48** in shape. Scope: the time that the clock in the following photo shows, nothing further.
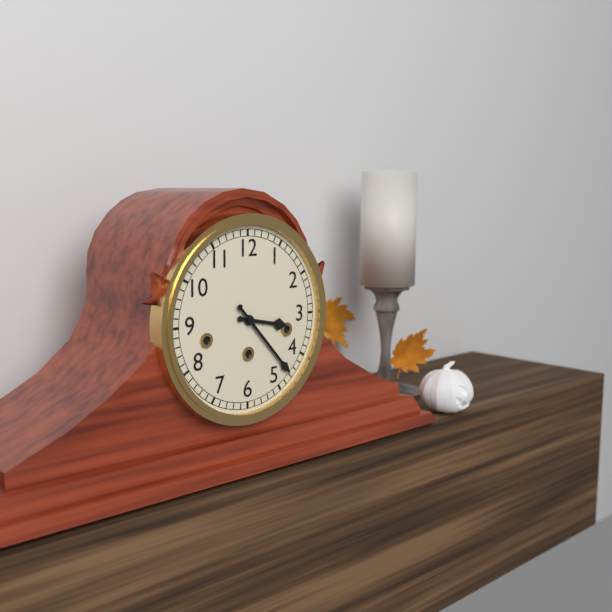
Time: **3:23**
